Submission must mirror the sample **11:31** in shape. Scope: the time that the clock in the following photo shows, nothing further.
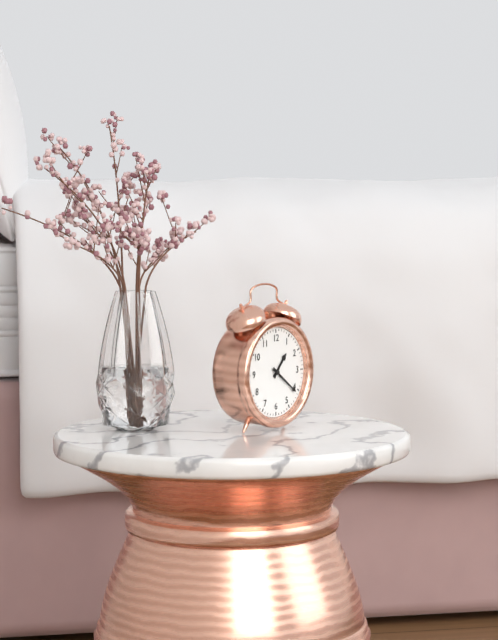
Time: **1:21**
